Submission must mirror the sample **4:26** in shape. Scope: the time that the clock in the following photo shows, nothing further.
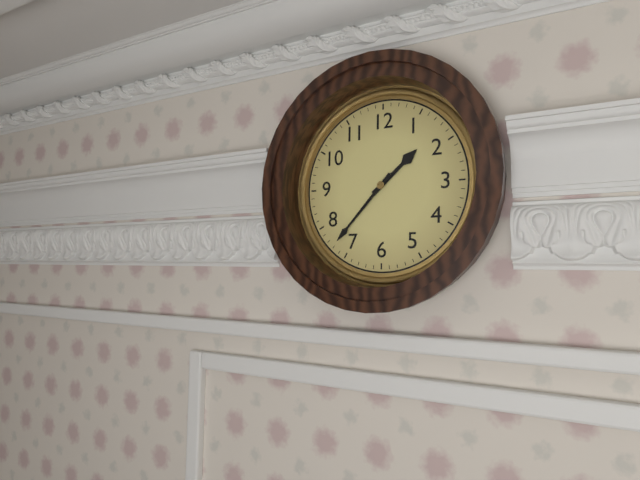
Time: **1:37**
